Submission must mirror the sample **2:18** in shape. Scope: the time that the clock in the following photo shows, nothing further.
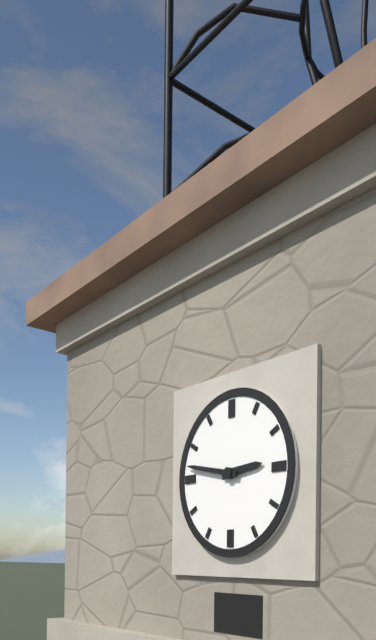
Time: **2:47**
